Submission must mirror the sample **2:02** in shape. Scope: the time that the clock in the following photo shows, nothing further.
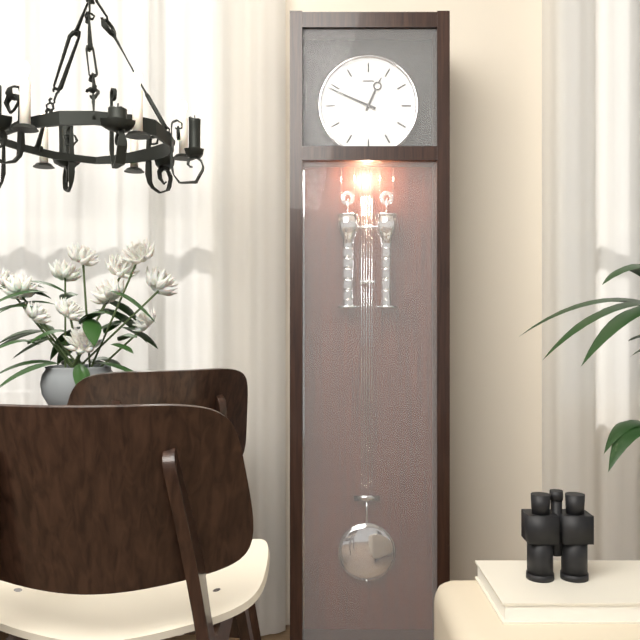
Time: **12:49**
